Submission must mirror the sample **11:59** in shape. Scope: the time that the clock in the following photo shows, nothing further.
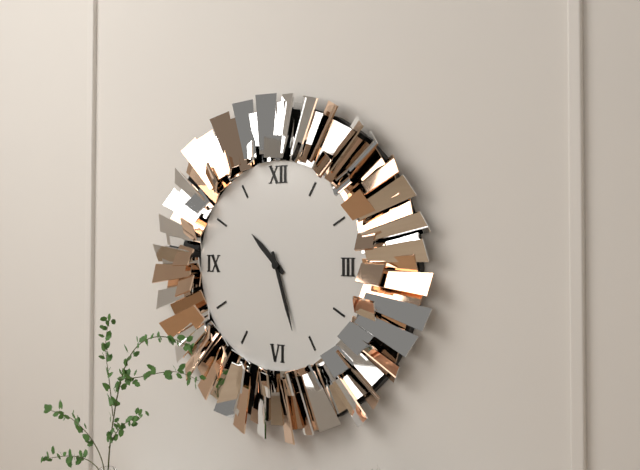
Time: **10:27**
